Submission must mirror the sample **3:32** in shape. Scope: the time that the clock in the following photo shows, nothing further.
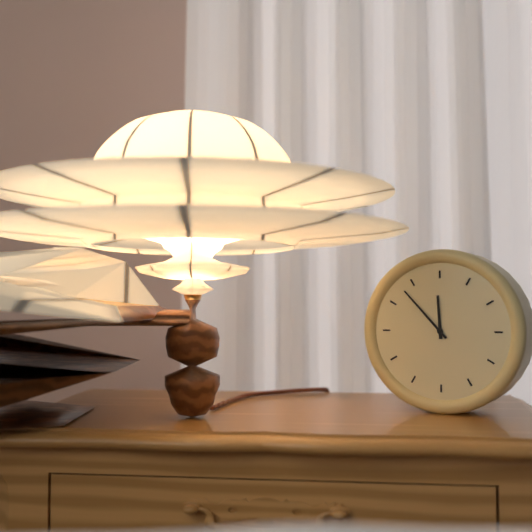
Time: **11:53**
